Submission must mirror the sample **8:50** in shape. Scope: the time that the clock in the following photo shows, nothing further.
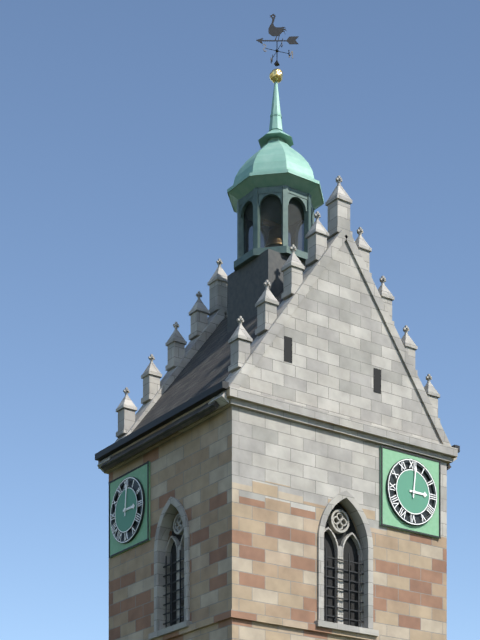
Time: **3:01**
